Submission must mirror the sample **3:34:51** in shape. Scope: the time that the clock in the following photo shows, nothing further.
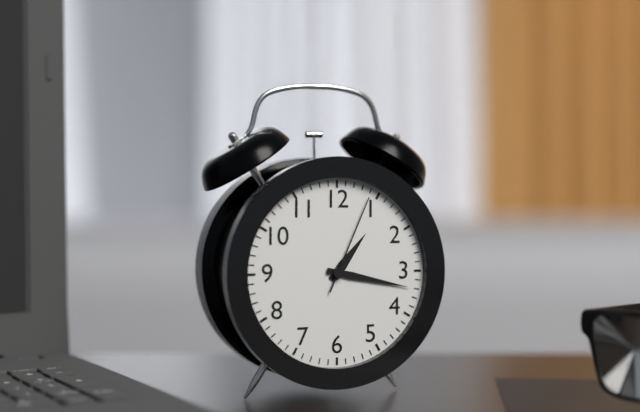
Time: **1:17:04**
